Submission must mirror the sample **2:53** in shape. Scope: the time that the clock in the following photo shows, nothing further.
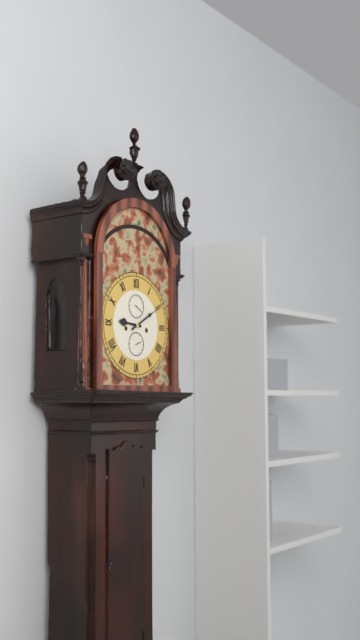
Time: **9:10**
